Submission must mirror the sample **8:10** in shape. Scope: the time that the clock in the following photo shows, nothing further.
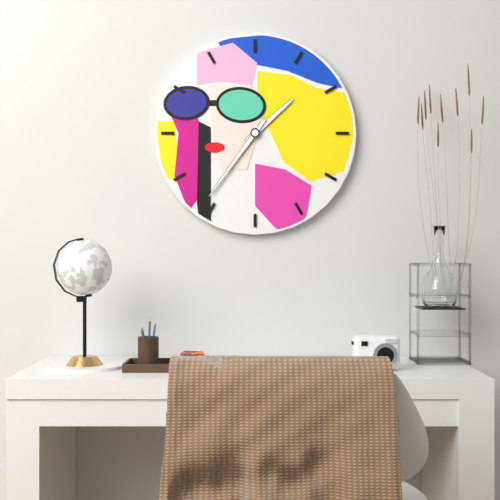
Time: **1:36**
